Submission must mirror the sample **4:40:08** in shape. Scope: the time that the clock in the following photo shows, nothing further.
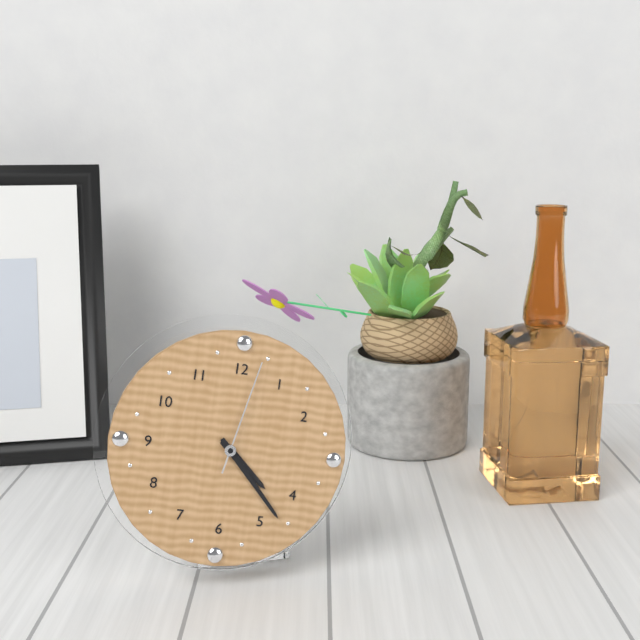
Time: **4:23:02**
